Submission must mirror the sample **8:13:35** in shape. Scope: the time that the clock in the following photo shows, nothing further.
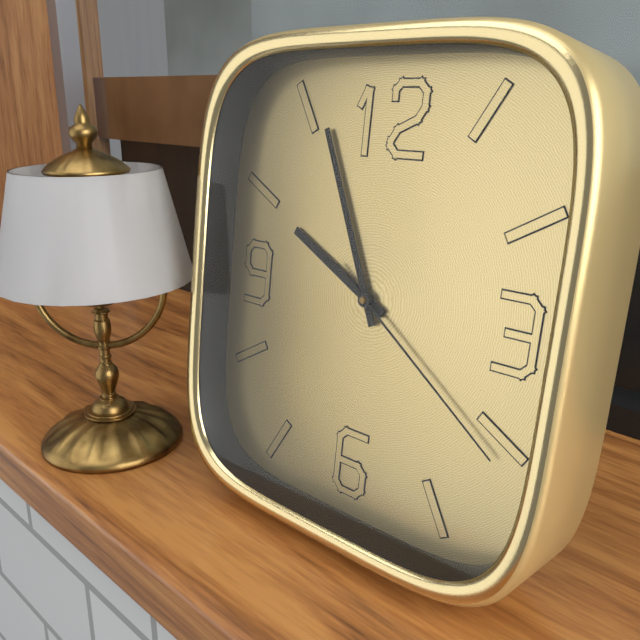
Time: **9:56:21**
